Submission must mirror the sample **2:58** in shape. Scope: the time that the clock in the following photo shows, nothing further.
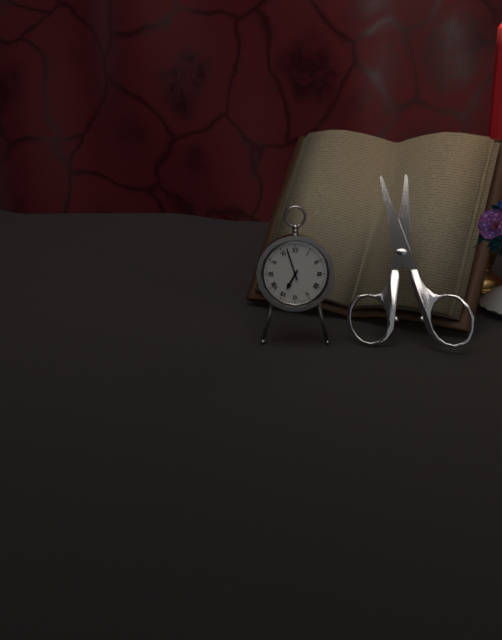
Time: **6:57**
